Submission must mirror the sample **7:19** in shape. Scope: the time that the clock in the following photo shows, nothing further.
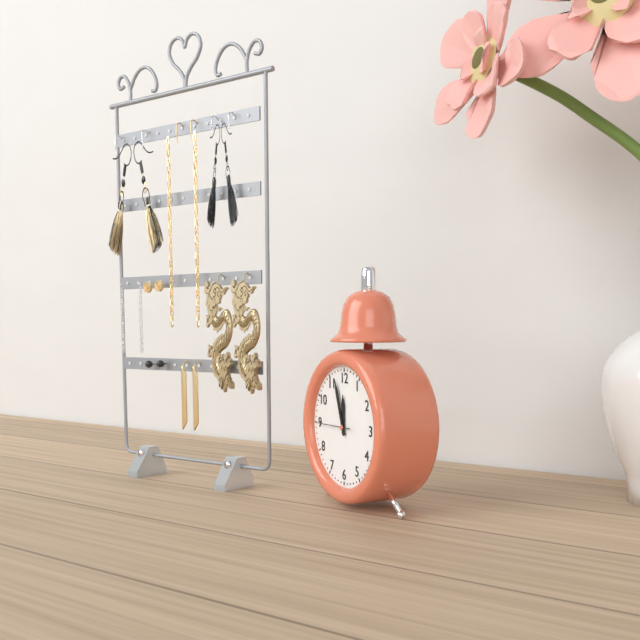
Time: **11:57**
